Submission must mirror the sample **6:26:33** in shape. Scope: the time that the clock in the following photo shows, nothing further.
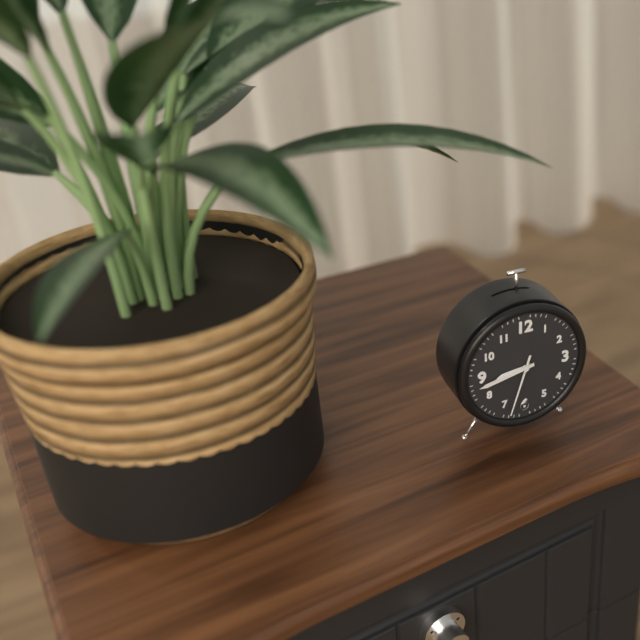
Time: **8:43:33**
